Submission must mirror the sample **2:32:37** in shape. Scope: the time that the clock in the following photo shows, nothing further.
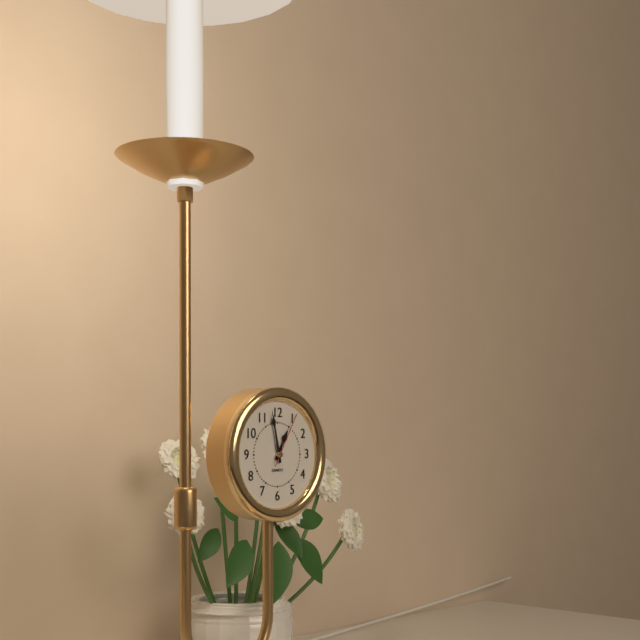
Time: **12:58:05**
